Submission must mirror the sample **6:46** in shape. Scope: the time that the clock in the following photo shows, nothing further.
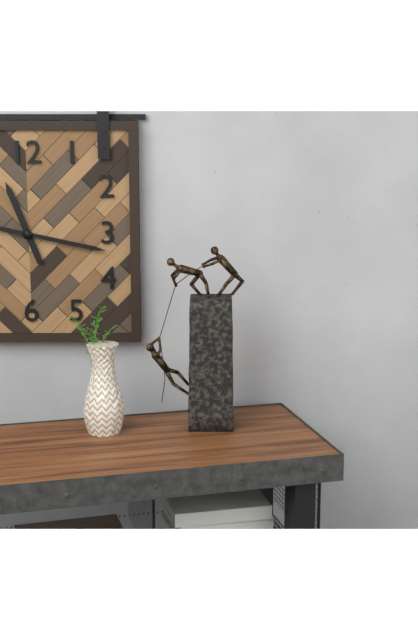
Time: **11:17**
